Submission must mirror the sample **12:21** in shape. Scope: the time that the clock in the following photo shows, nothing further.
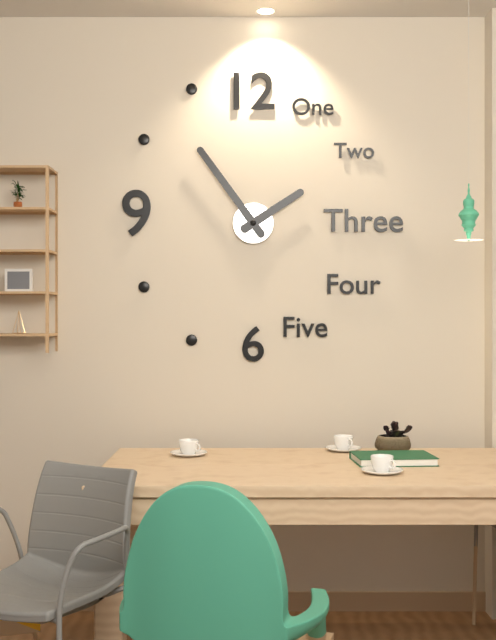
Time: **1:54**
